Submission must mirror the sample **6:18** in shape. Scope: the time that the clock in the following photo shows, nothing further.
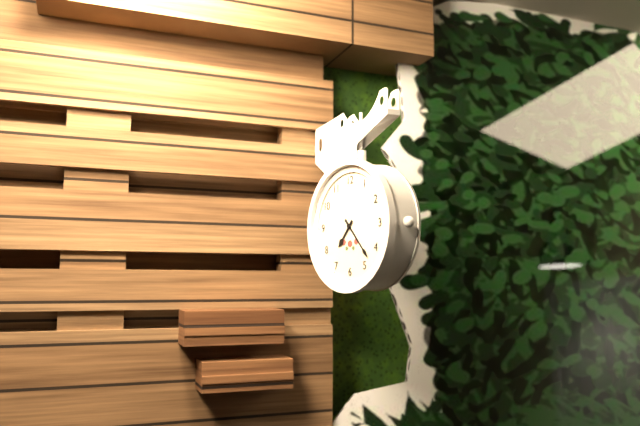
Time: **7:23**
